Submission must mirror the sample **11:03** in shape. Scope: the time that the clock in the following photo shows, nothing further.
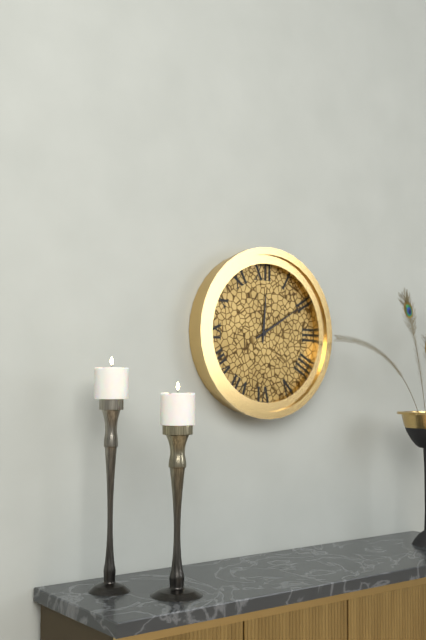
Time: **12:10**
